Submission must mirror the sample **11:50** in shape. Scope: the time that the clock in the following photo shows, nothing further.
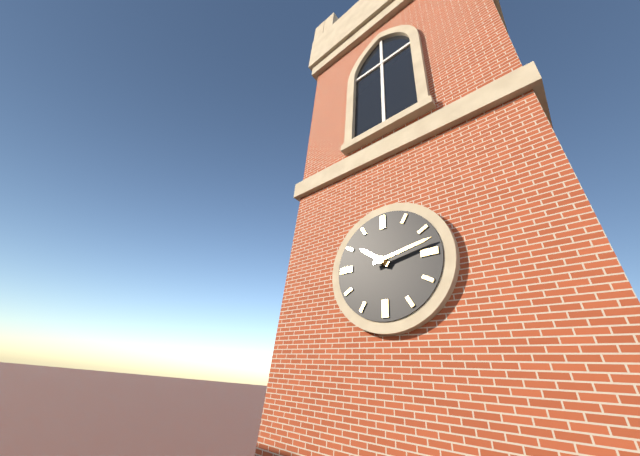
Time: **10:13**
